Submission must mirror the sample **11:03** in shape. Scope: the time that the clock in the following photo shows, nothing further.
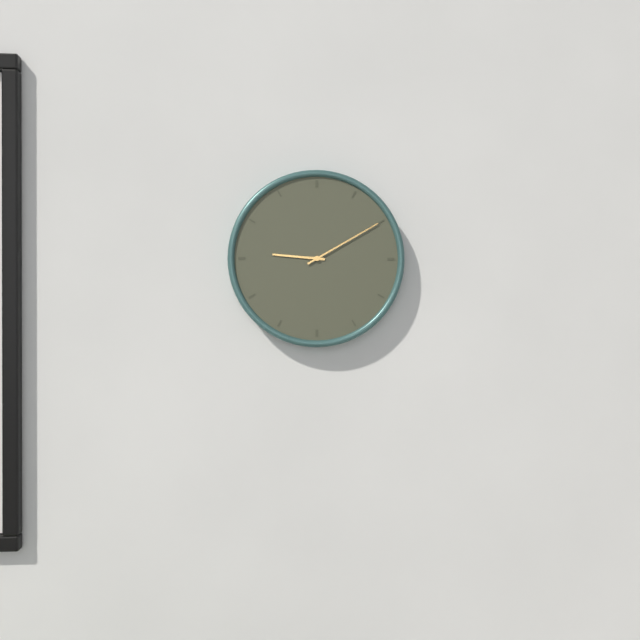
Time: **9:10**
